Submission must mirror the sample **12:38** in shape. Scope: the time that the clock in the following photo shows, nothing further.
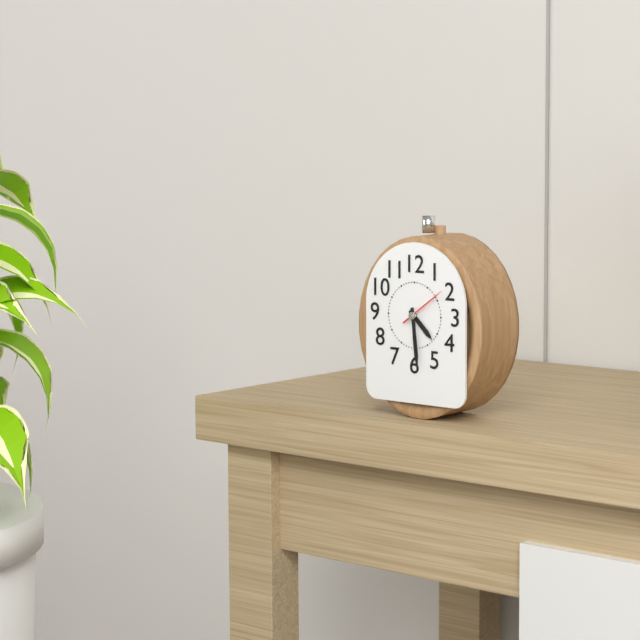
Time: **4:29**
